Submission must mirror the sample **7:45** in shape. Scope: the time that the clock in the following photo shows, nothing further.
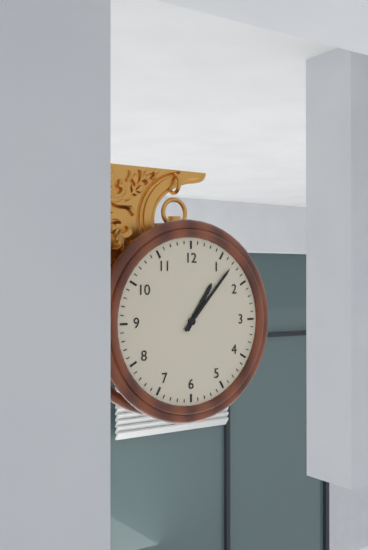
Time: **1:07**
